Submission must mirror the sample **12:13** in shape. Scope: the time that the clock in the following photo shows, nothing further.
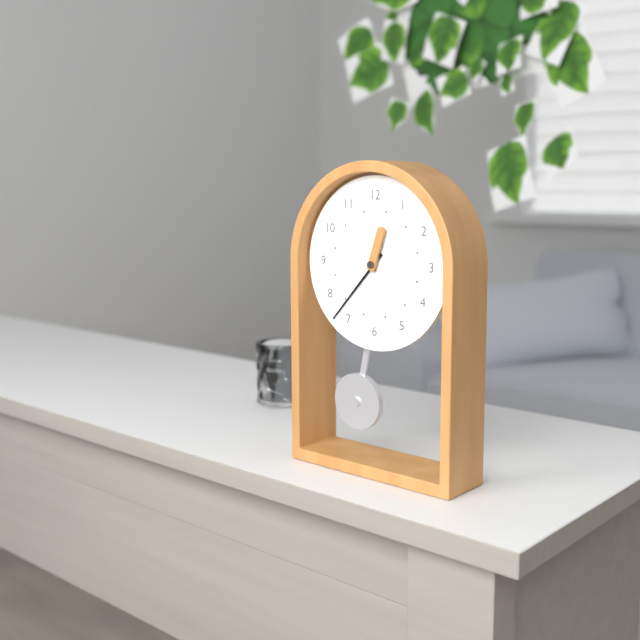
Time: **12:37**
